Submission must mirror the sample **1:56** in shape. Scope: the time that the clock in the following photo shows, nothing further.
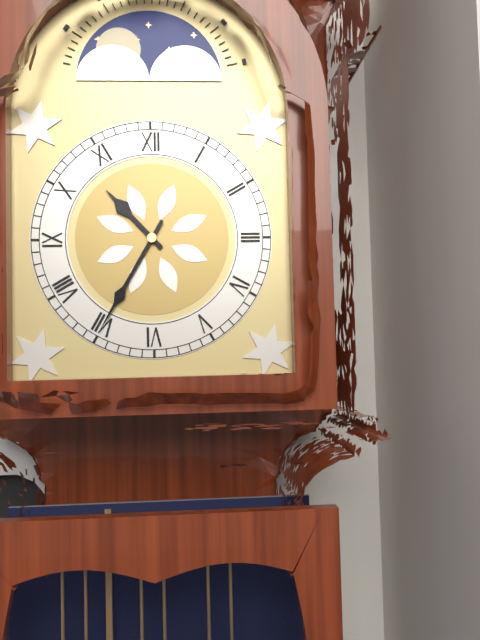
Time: **10:35**
